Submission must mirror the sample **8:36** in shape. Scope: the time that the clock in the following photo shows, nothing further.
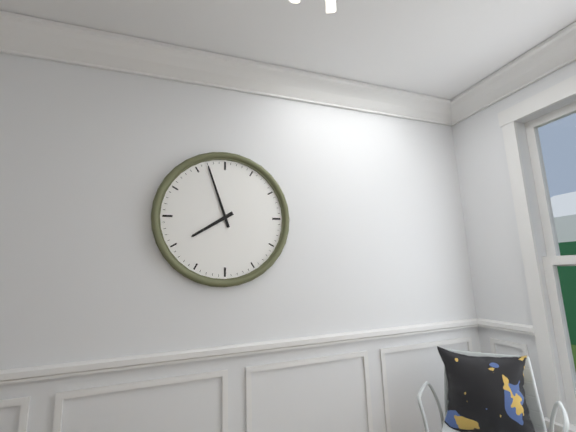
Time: **7:57**
